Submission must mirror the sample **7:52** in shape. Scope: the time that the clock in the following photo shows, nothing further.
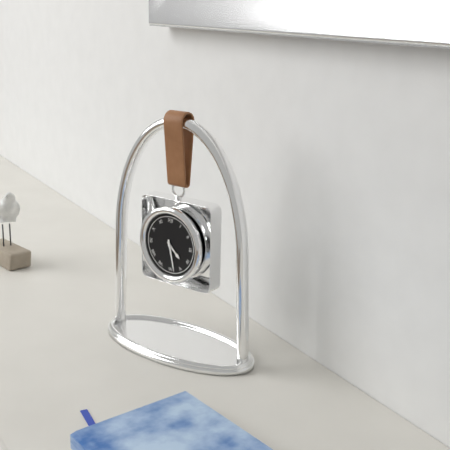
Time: **4:28**
